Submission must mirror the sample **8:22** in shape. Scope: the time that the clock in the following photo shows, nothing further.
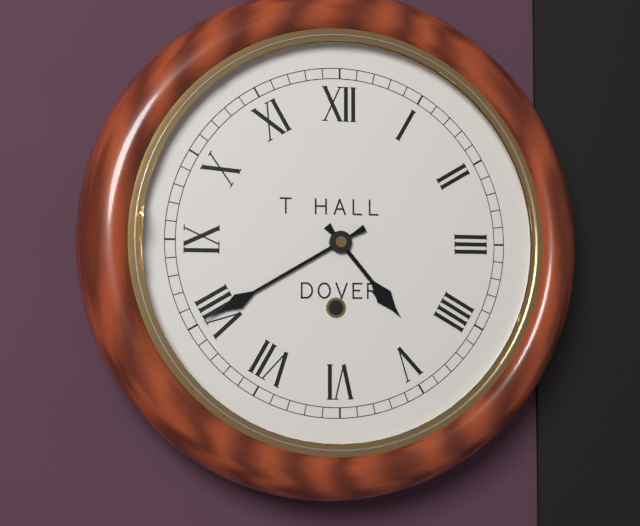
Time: **4:40**
